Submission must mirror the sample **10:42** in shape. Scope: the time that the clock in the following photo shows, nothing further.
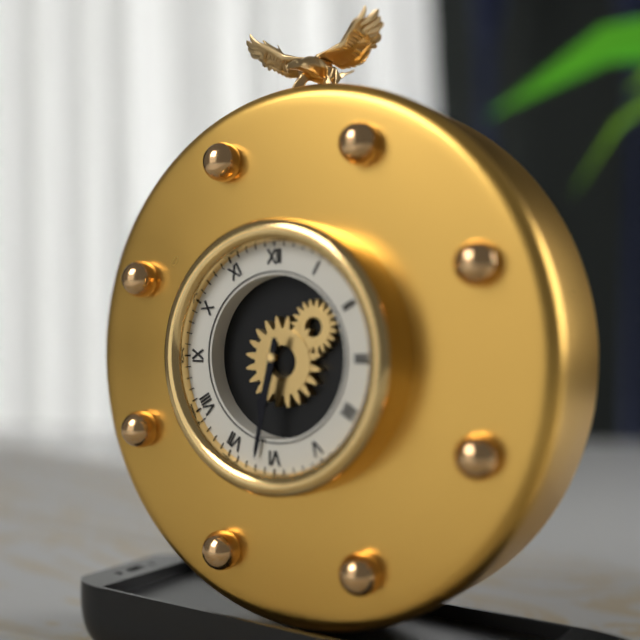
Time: **6:32**
